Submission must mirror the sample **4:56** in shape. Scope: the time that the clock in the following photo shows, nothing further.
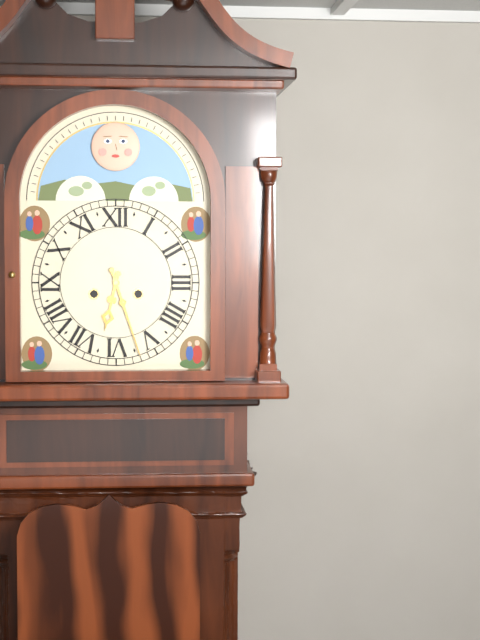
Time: **6:27**
